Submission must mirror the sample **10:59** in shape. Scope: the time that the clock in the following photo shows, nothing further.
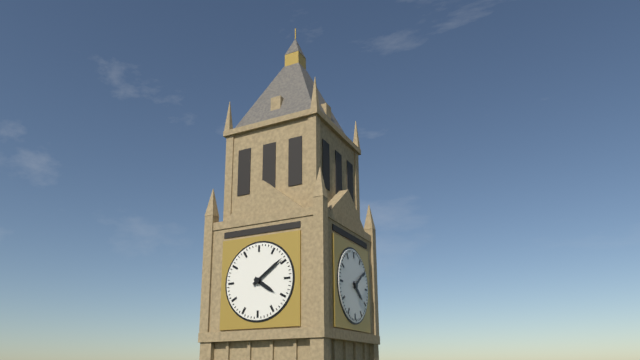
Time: **4:09**
